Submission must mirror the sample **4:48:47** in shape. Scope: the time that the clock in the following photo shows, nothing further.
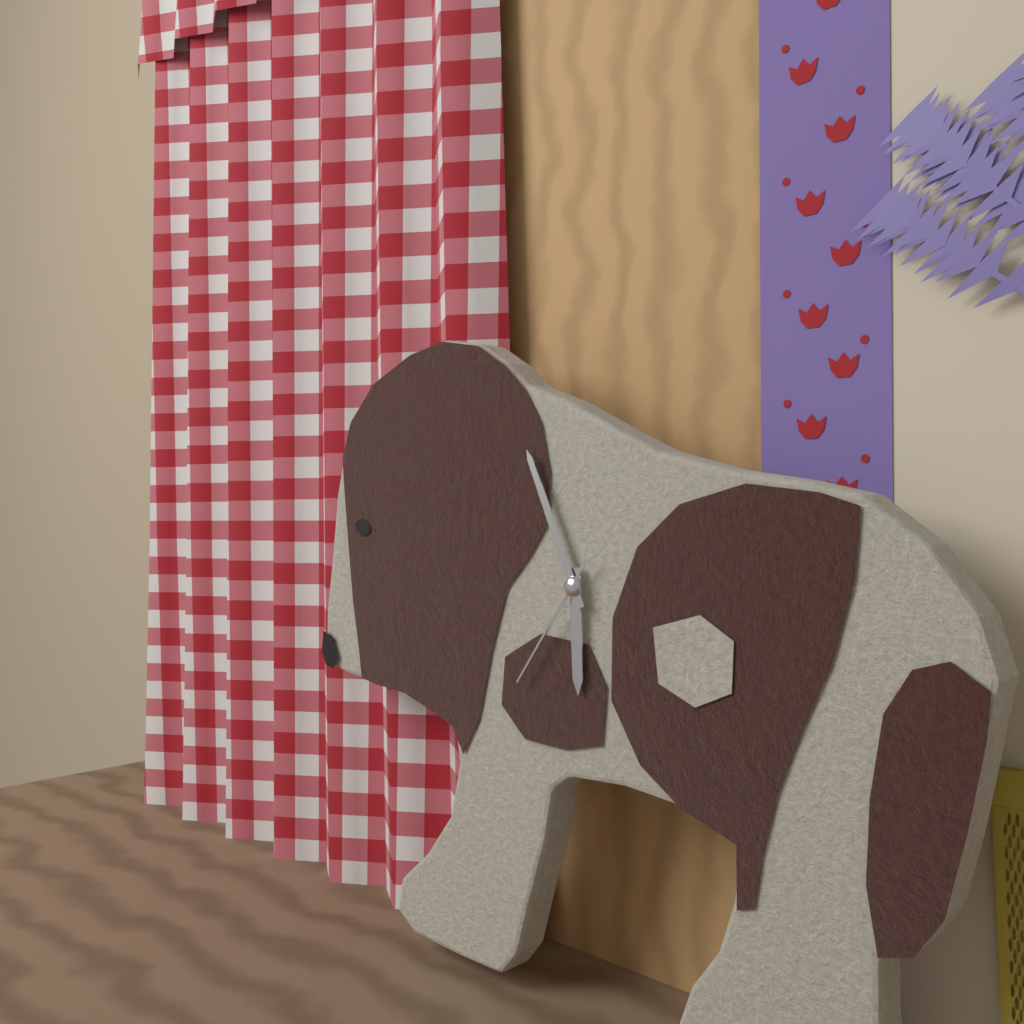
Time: **5:56:36**
